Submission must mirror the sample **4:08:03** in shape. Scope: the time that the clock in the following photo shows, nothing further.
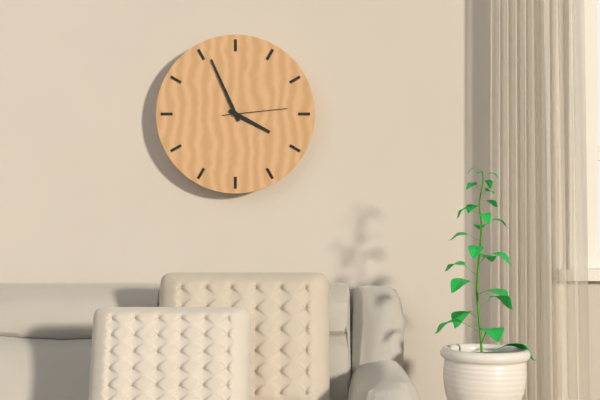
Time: **3:56:14**
